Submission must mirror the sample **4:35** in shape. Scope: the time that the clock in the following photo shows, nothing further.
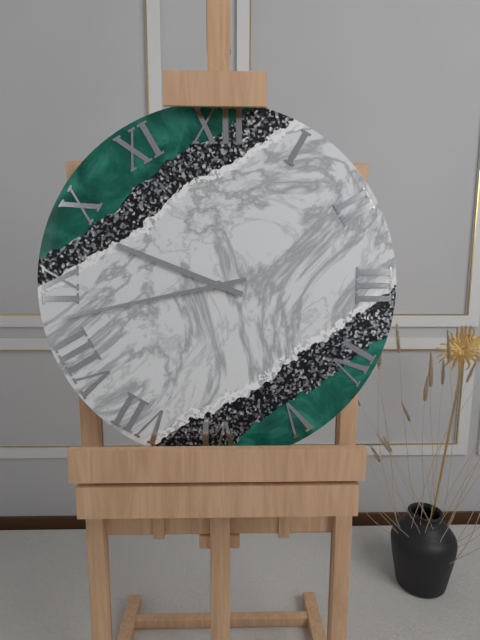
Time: **9:43**
